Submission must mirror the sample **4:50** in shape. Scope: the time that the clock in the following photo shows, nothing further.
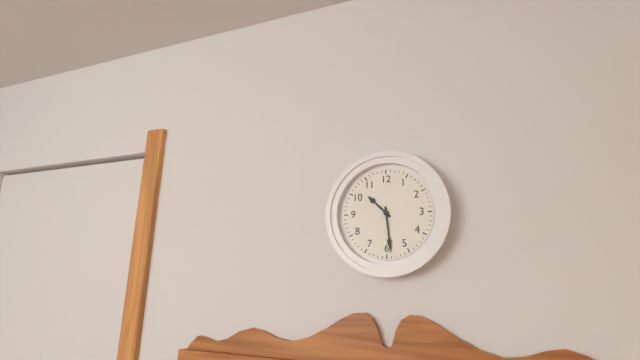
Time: **10:29**
